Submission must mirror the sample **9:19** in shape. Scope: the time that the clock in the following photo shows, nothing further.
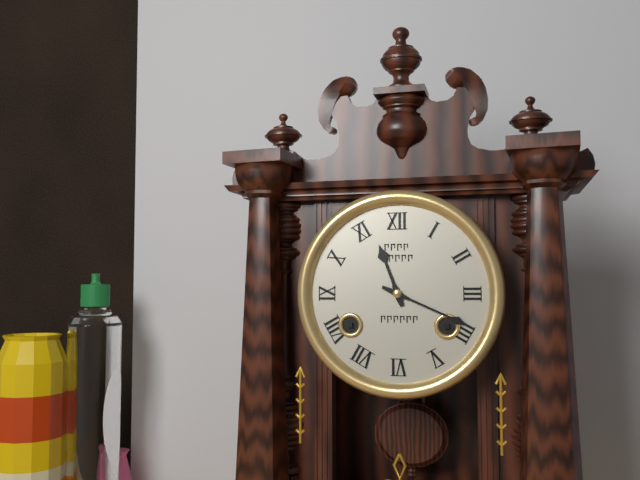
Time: **11:19**
